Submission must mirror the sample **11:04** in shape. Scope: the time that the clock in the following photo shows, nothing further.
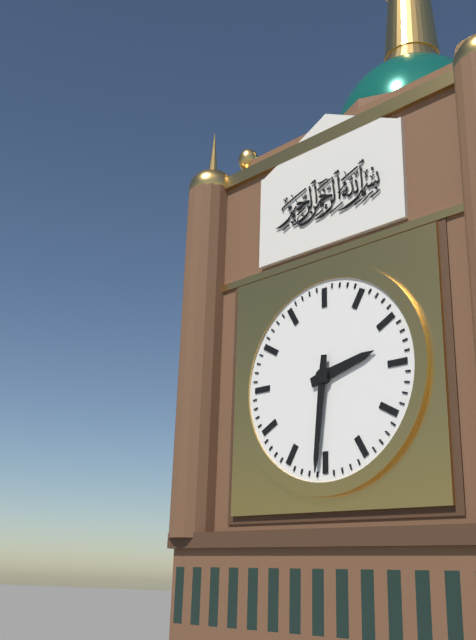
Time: **2:31**
